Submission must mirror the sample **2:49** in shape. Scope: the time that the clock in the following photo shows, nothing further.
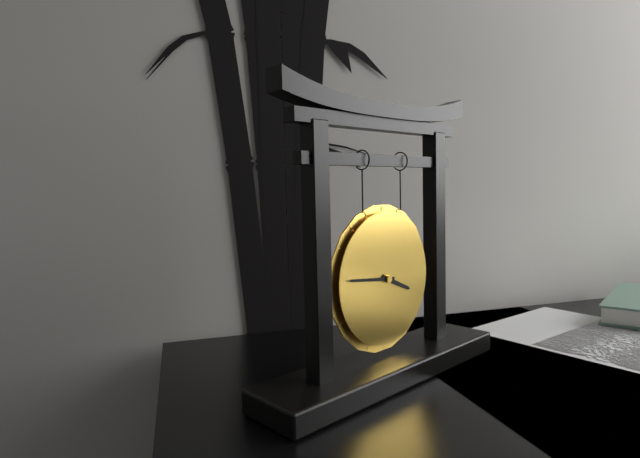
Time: **3:46**
